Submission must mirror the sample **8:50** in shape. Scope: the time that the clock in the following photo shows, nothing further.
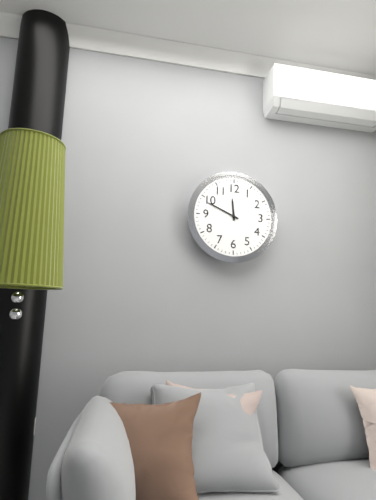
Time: **11:49**
